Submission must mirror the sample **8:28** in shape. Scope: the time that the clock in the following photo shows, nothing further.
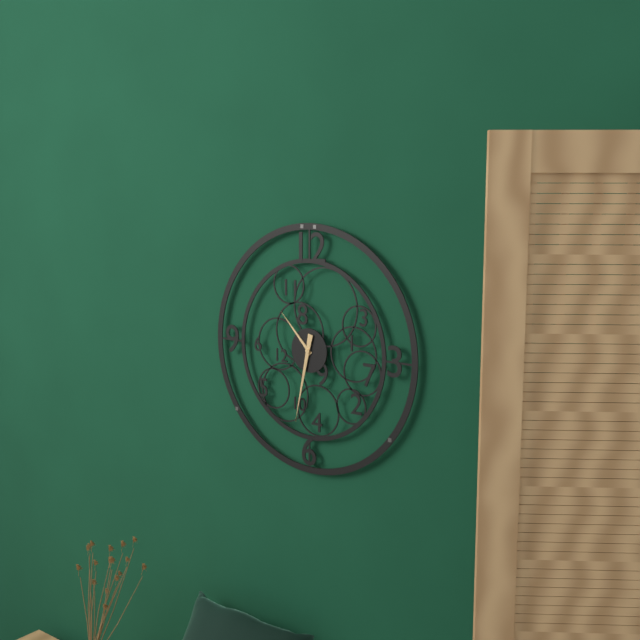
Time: **10:32**
